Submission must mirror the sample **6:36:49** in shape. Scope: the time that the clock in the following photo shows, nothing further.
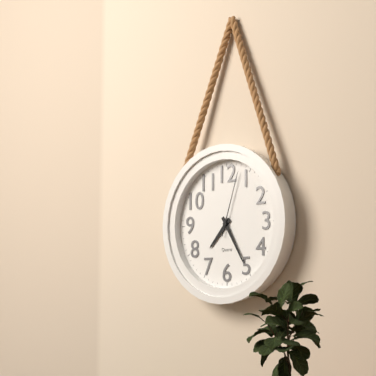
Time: **7:25:03**
